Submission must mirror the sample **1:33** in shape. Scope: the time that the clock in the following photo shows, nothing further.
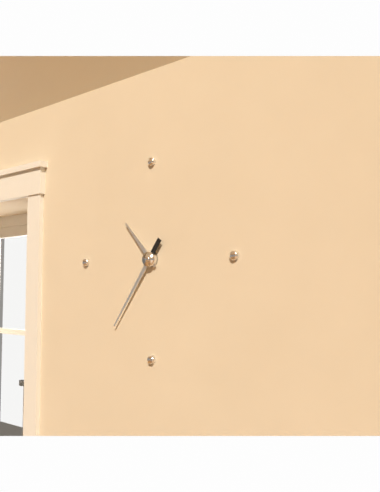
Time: **10:36**
